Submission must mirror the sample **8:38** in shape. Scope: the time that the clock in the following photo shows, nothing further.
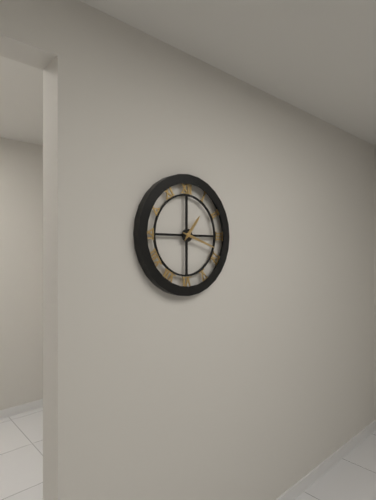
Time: **1:18**
